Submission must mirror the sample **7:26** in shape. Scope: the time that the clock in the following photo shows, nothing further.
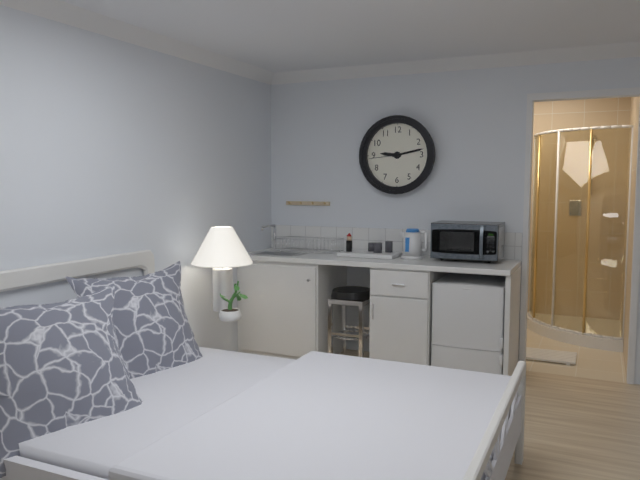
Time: **9:13**
